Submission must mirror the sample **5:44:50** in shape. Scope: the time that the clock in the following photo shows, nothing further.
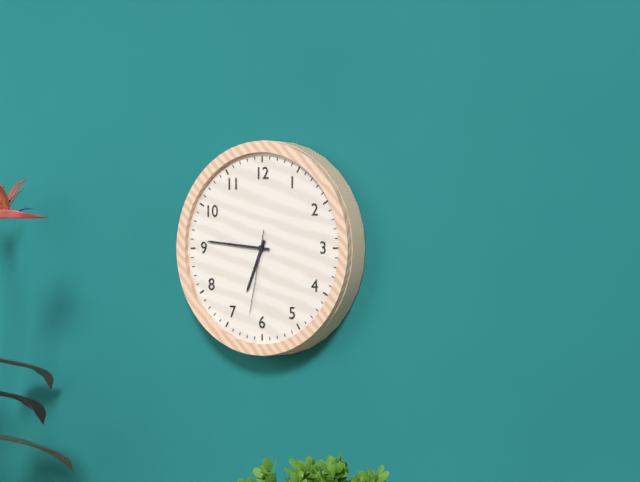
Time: **6:46:32**
